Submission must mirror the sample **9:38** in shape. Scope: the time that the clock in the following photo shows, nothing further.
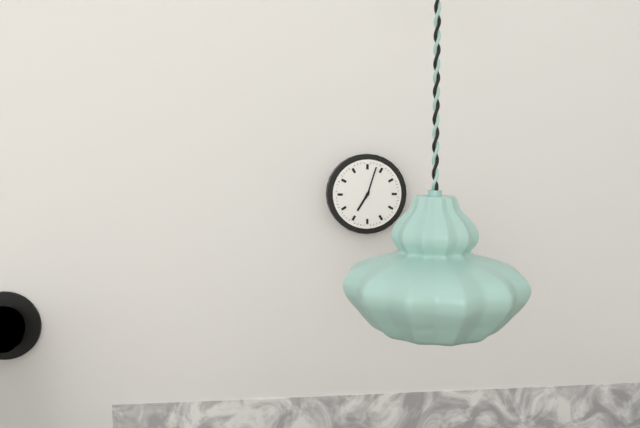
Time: **7:03**
